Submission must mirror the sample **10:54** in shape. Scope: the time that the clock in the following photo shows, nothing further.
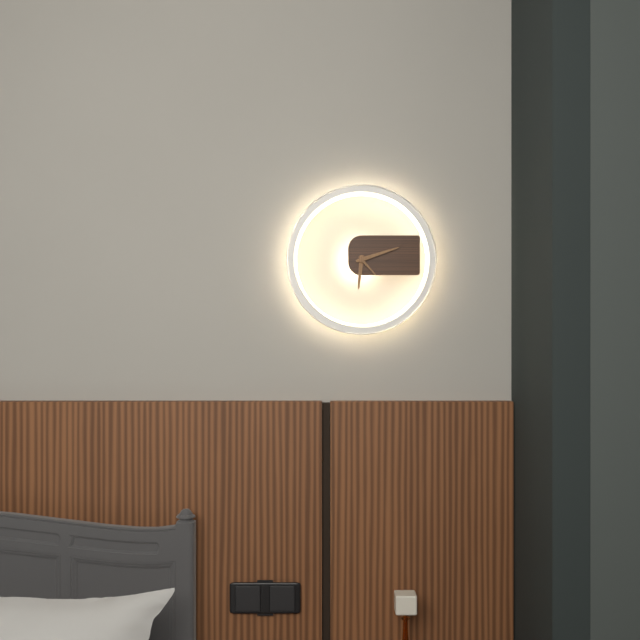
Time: **6:12**
